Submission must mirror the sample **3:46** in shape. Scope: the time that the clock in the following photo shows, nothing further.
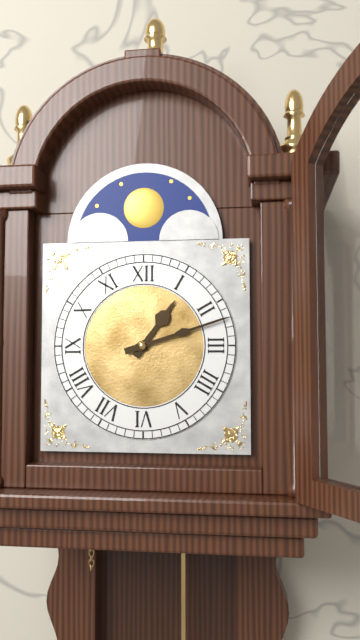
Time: **1:12**
